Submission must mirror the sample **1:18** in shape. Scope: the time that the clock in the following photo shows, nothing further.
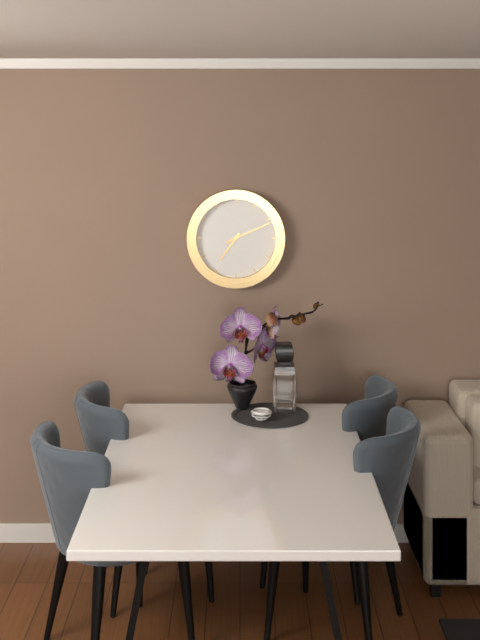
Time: **7:11**
